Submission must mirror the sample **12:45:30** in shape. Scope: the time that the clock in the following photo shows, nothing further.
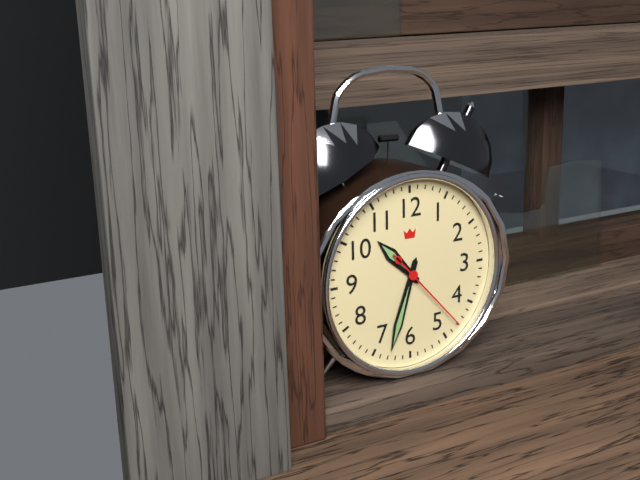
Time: **10:33:23**
